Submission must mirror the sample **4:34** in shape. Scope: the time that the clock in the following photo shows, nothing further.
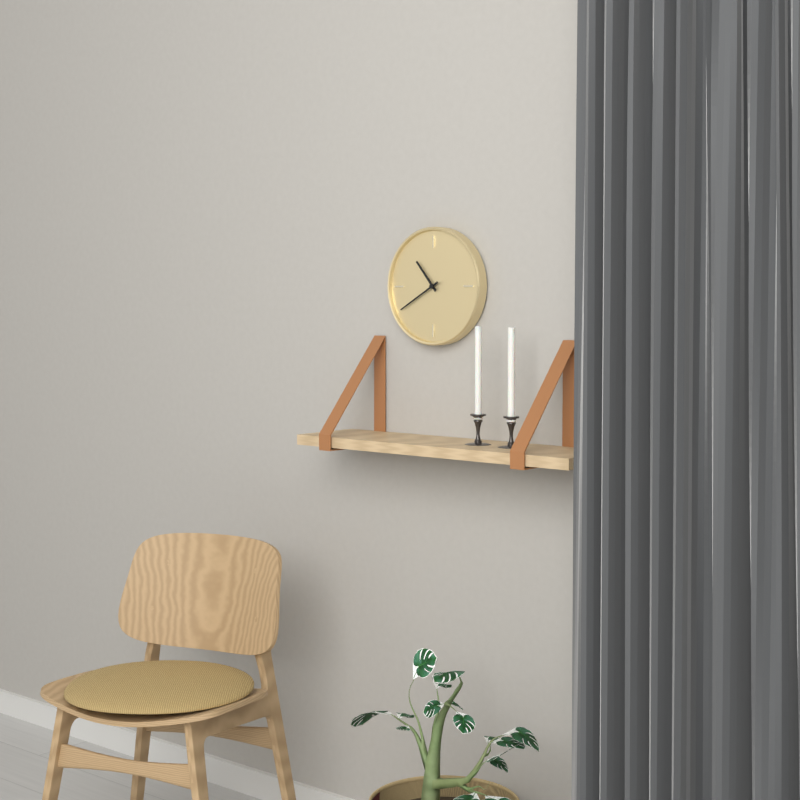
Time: **10:40**
